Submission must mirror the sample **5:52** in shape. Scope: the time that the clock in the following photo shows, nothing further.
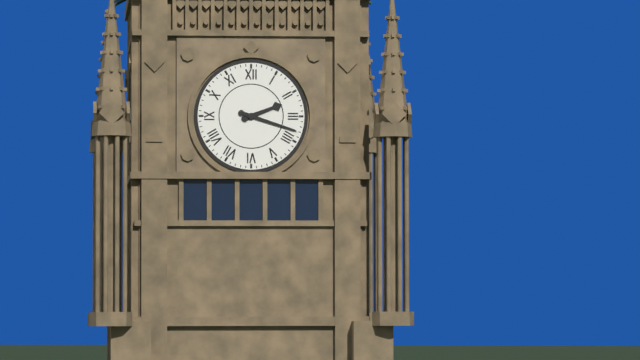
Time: **2:18**
